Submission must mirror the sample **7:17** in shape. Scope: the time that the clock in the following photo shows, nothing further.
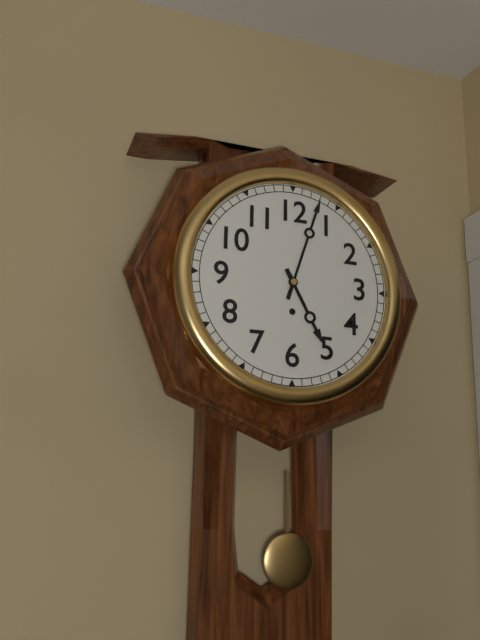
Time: **5:03**
